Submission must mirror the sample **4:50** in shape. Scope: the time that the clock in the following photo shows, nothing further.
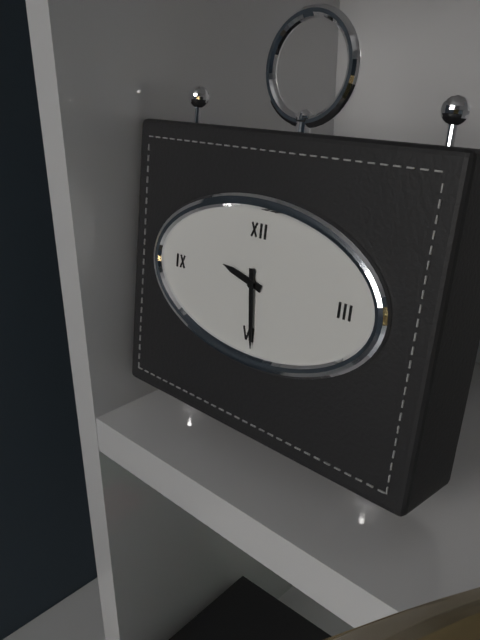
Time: **9:29**
